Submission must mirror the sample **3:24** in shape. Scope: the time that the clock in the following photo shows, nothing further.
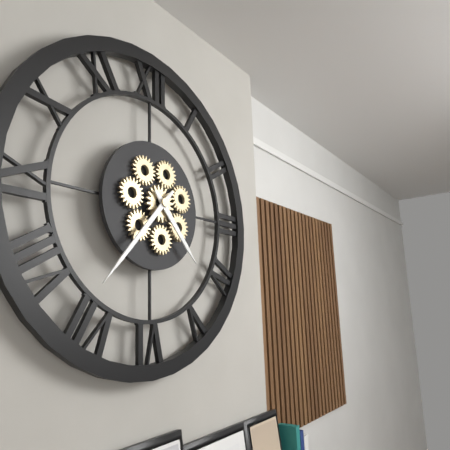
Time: **4:37**
